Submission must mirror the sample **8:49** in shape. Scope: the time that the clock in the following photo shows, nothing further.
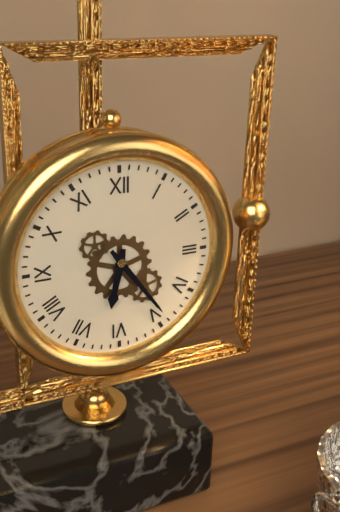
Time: **6:24**
